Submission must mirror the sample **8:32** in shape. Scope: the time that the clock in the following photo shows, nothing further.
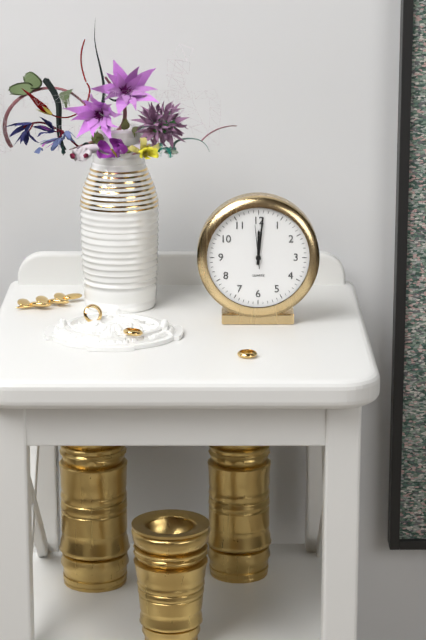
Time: **12:01**
